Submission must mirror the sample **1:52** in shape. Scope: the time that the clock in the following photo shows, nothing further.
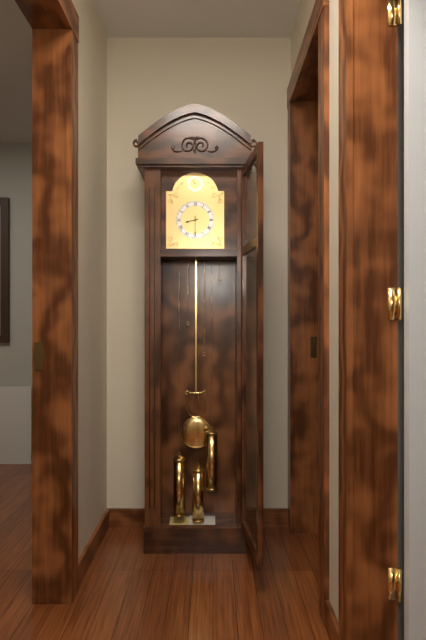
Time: **8:30**
